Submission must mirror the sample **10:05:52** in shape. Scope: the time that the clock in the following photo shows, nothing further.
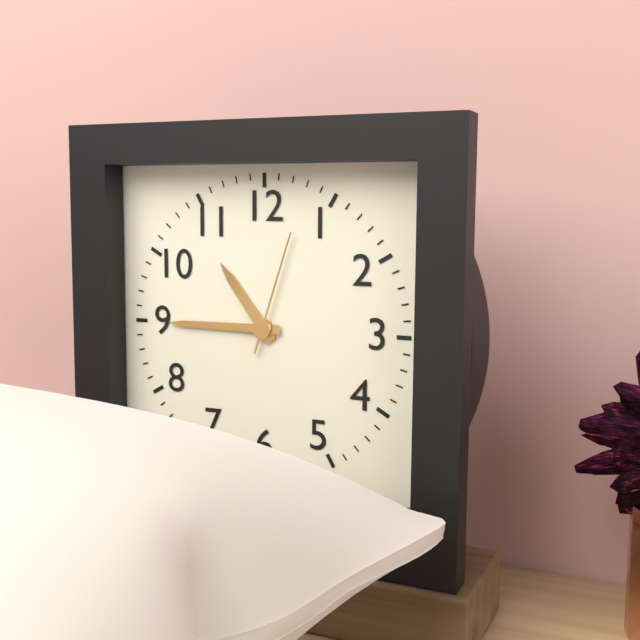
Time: **10:45:03**
